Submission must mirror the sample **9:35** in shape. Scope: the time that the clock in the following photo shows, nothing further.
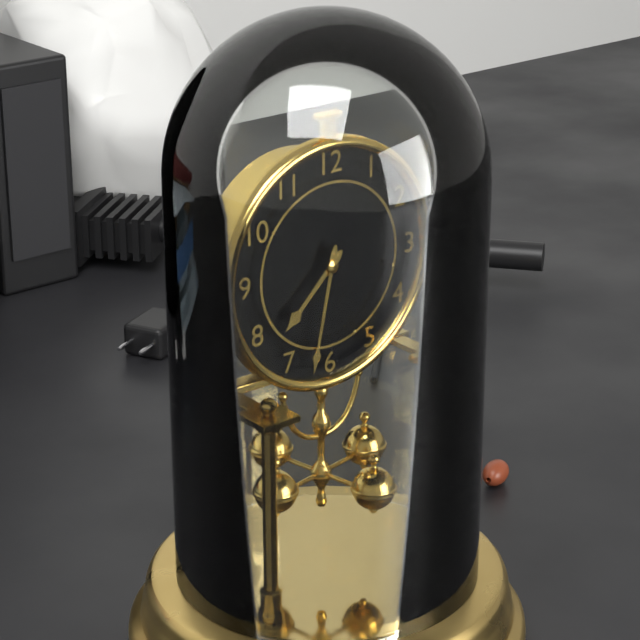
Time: **7:32**
